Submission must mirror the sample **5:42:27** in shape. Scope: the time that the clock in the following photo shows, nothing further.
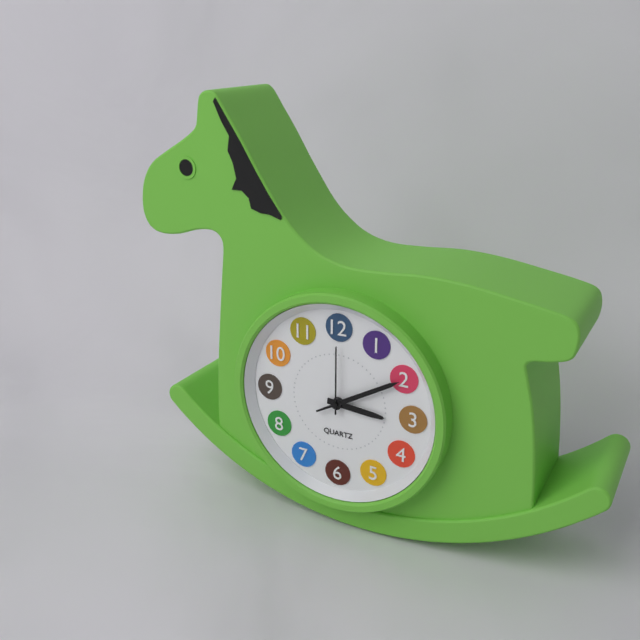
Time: **3:10:00**
